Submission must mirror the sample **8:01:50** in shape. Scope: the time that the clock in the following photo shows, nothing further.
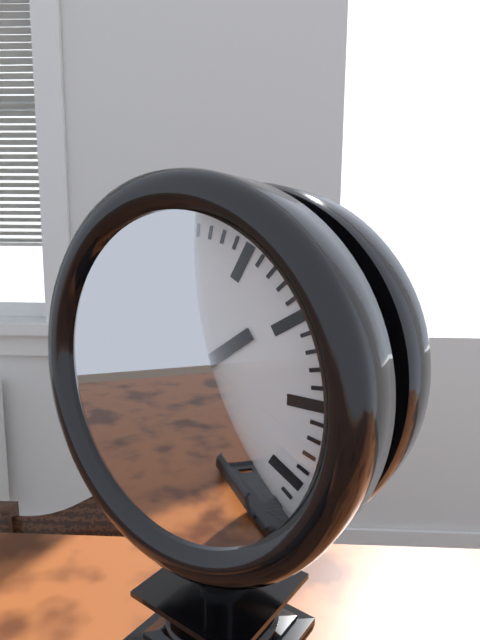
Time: **1:51:54**
